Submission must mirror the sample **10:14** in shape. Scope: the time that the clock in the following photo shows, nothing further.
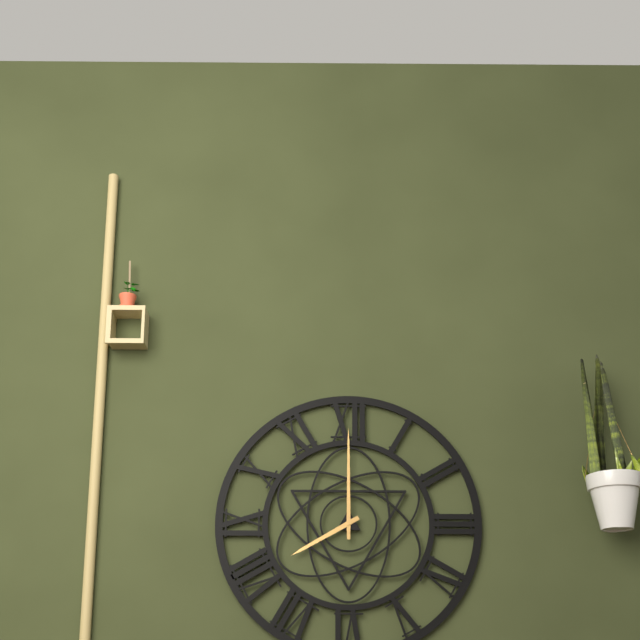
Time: **8:00**
